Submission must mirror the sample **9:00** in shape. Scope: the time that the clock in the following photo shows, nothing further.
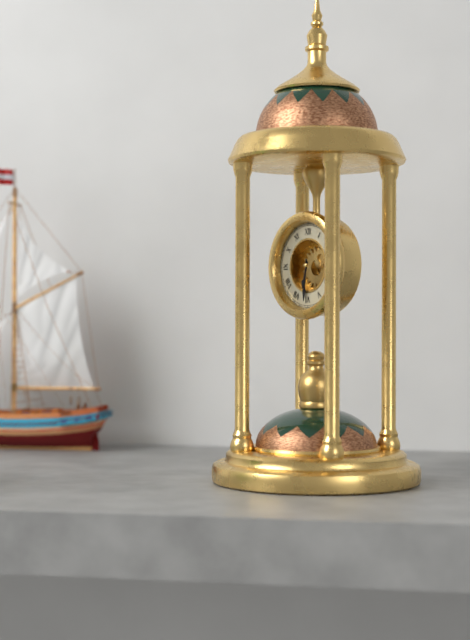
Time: **6:31**
